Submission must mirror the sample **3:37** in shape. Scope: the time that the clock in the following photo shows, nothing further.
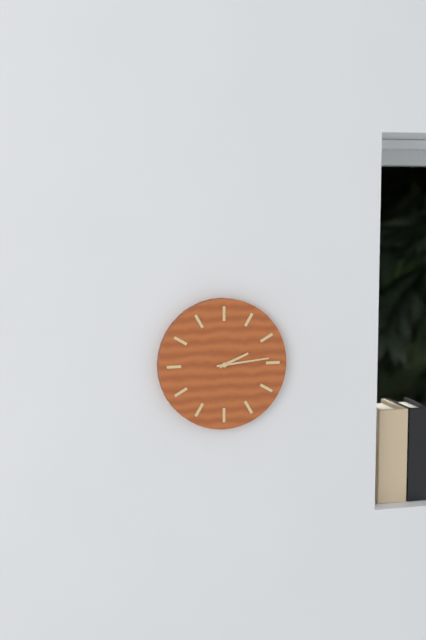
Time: **2:14**
